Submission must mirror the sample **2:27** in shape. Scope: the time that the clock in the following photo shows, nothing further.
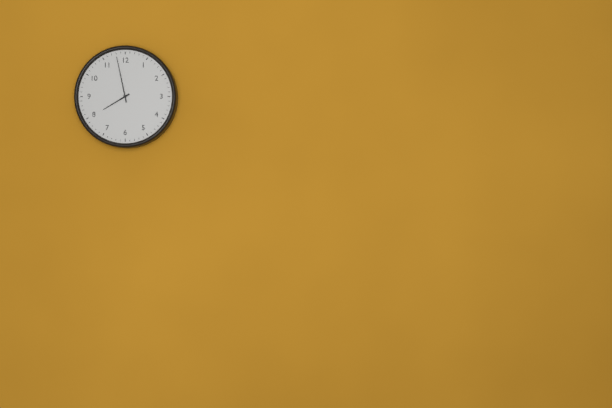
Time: **7:58**
